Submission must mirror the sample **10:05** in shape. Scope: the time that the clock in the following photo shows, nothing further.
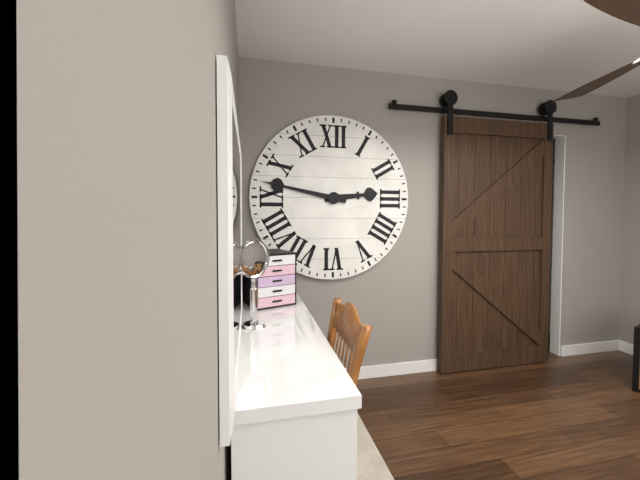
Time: **2:47**
